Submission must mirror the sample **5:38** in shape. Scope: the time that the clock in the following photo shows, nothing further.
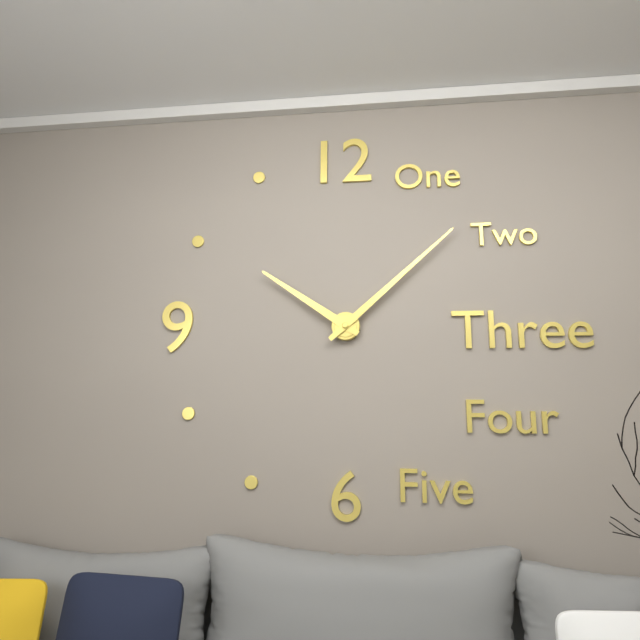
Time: **10:08**
